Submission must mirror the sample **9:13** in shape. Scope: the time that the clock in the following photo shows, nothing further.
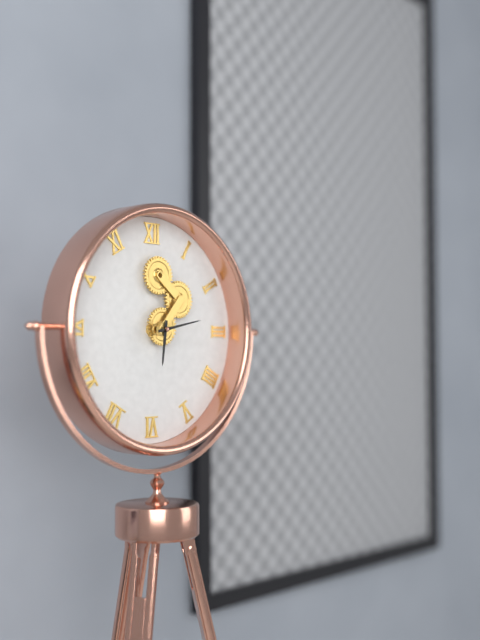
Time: **6:13**
